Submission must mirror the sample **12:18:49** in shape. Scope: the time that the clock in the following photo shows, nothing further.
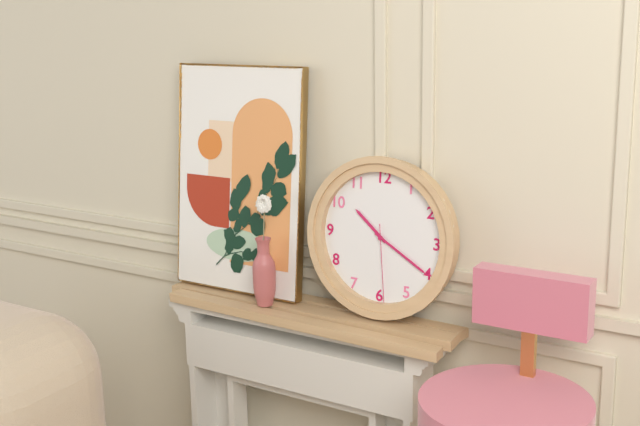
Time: **10:20:29**
